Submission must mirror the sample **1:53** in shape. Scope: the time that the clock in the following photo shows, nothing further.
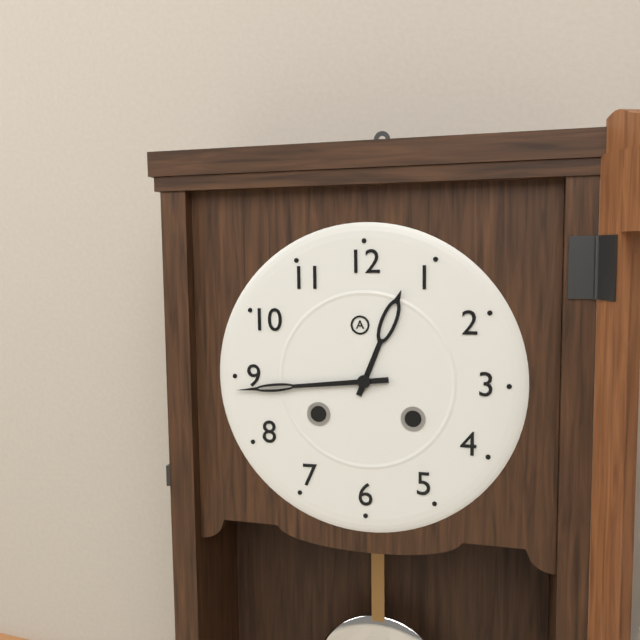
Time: **12:44**
